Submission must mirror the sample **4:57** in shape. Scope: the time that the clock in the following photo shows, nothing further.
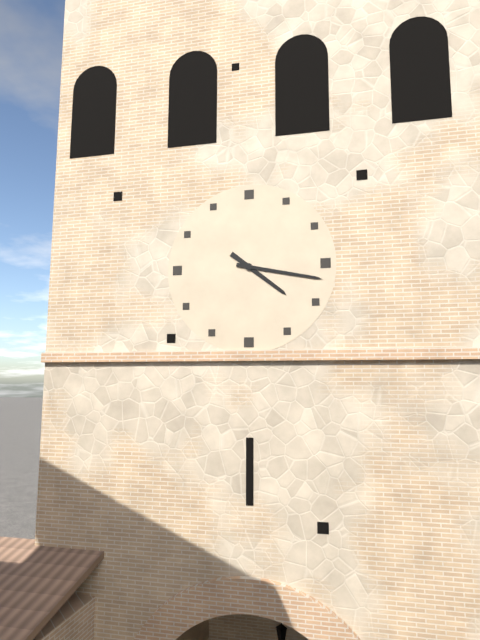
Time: **4:17**
